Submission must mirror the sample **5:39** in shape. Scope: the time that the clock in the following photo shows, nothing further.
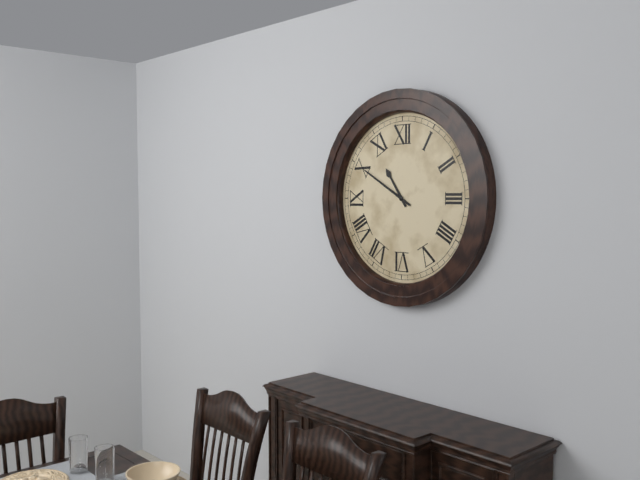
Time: **10:50**
